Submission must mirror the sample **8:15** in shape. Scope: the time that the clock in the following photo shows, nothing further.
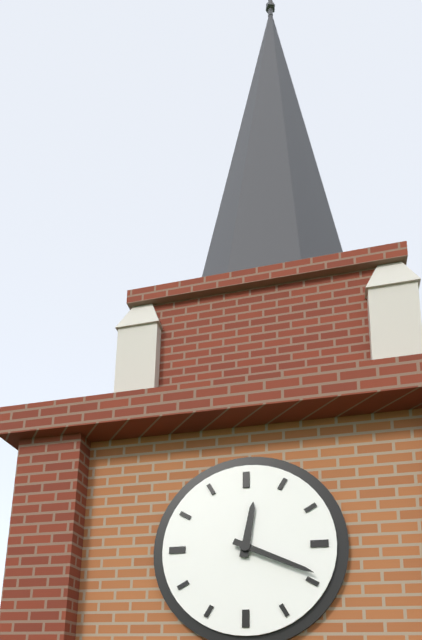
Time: **12:19**
